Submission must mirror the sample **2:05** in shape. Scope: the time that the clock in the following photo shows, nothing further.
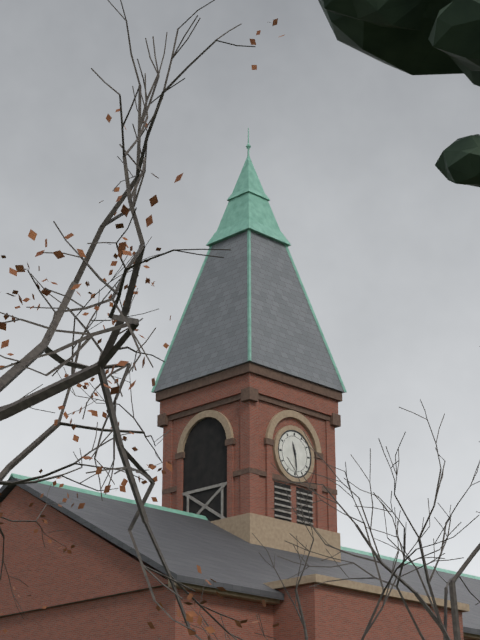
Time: **11:29**
